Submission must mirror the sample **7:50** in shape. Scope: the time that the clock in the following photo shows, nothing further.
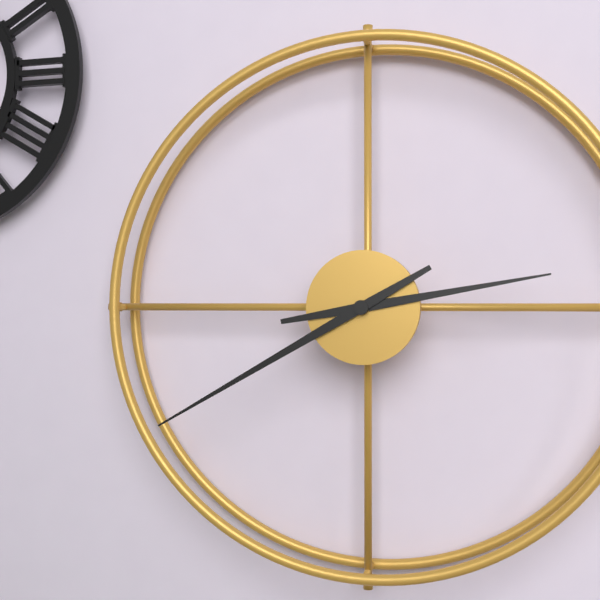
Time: **2:40**
